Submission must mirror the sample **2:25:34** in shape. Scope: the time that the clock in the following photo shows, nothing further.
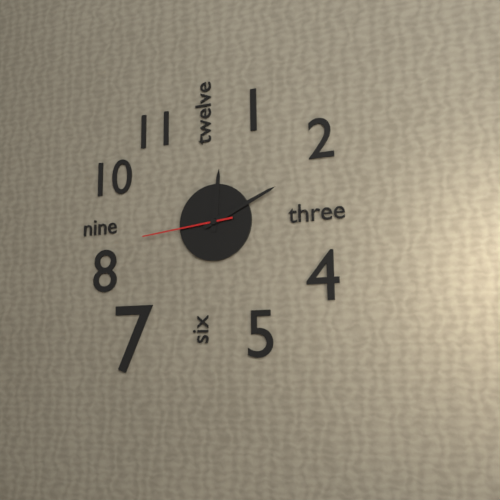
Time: **12:11:44**
